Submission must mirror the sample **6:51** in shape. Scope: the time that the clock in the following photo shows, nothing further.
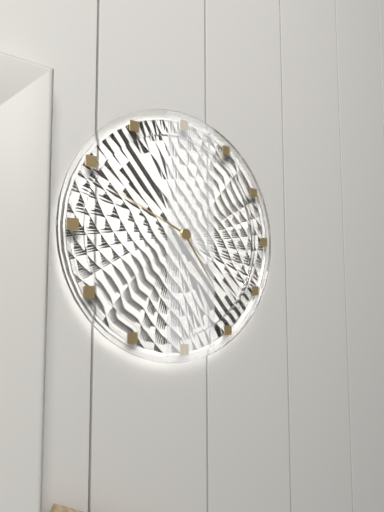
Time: **4:49**
